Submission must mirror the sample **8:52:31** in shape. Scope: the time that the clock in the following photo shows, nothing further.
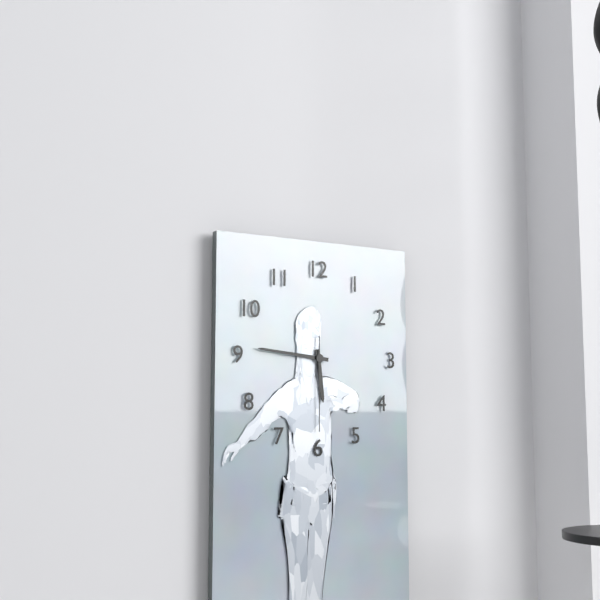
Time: **5:46:30**
